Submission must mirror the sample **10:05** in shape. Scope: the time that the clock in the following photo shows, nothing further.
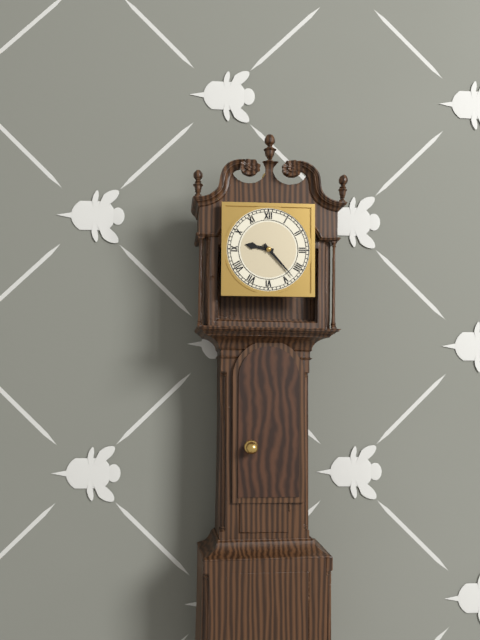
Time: **9:23**
